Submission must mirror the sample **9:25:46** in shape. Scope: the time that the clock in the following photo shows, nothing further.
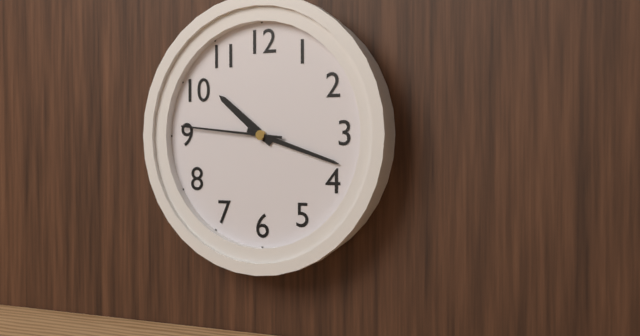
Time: **10:18:46**
